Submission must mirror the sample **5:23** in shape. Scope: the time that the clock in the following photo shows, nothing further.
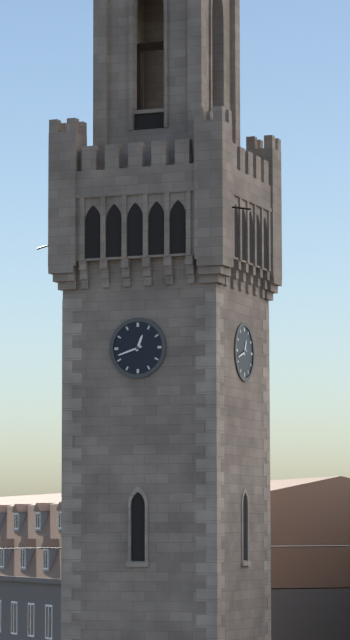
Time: **12:42**
